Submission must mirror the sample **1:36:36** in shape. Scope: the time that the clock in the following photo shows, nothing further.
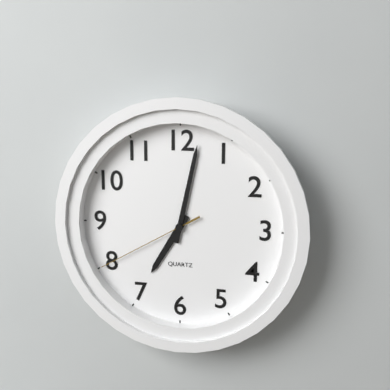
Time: **7:02:40**
